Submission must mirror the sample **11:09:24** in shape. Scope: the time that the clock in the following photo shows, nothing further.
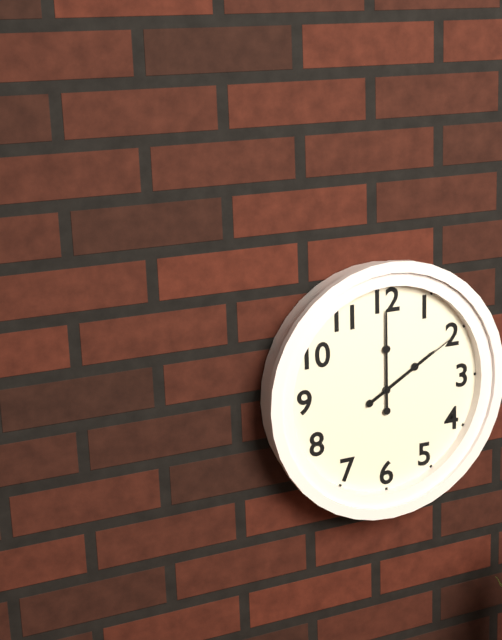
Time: **2:00:10**
